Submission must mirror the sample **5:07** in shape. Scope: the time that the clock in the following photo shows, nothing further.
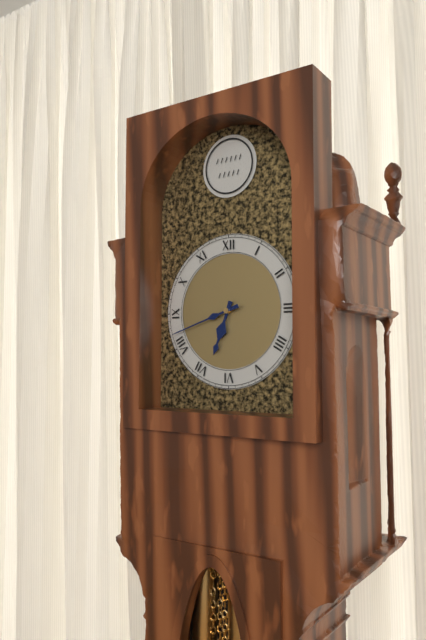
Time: **6:42**
